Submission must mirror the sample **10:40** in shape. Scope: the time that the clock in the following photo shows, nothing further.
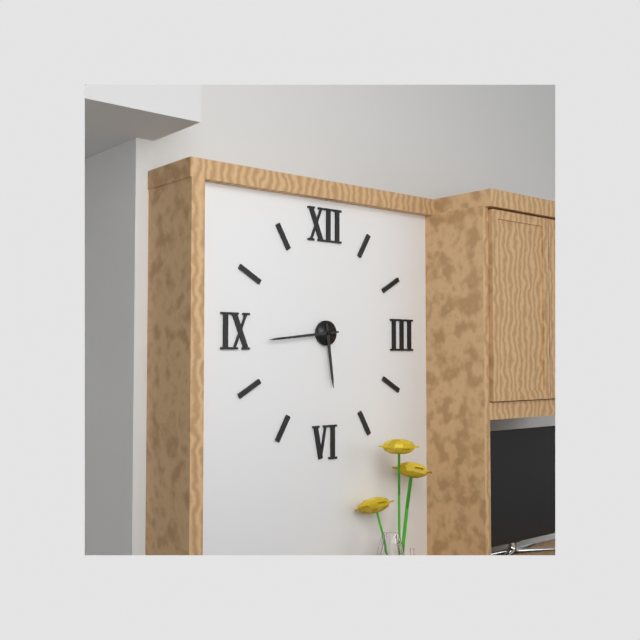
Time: **5:44**
